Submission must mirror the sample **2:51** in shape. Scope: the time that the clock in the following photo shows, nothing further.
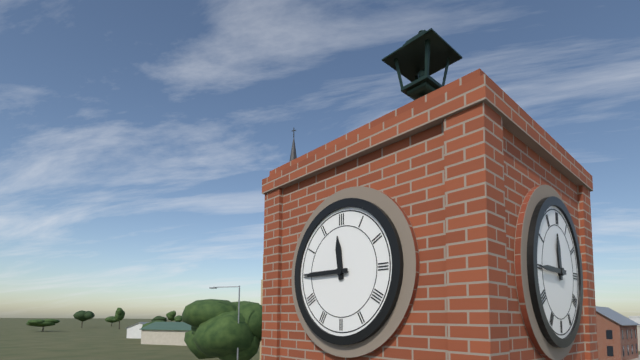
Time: **11:45**
